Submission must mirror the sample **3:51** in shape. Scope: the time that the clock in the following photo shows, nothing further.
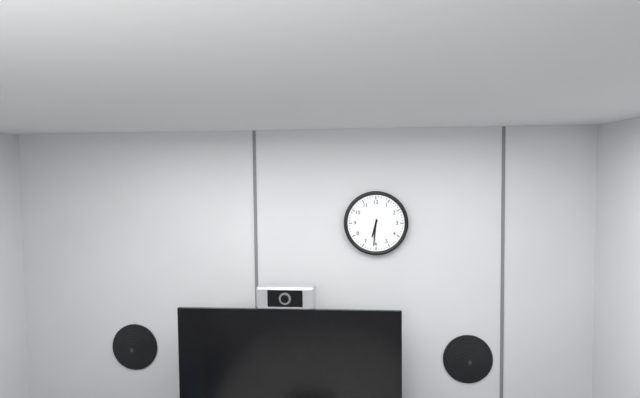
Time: **6:31**
